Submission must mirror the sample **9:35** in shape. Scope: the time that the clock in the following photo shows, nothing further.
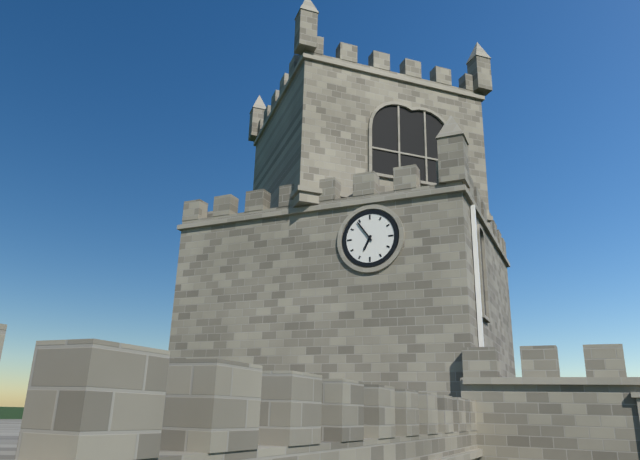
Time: **6:54**
